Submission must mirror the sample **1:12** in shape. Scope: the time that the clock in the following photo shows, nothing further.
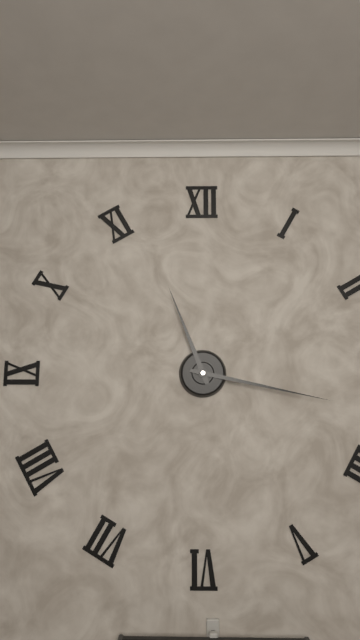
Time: **11:17**
